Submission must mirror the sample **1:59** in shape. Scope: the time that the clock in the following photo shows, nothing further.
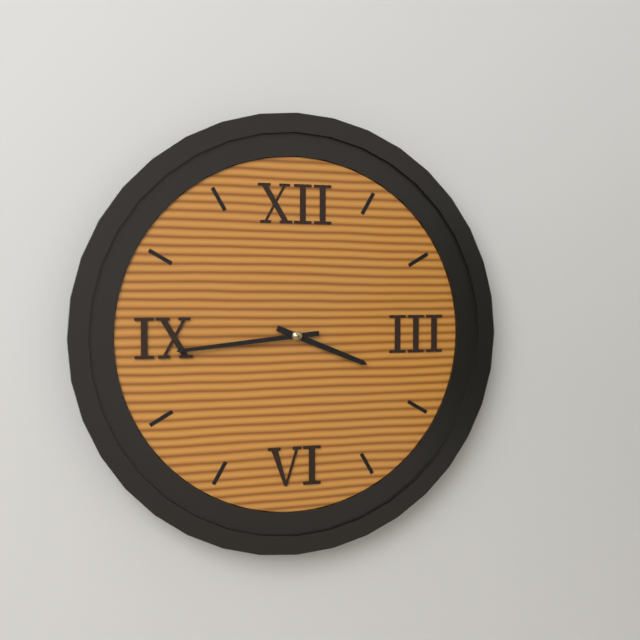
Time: **3:44**
